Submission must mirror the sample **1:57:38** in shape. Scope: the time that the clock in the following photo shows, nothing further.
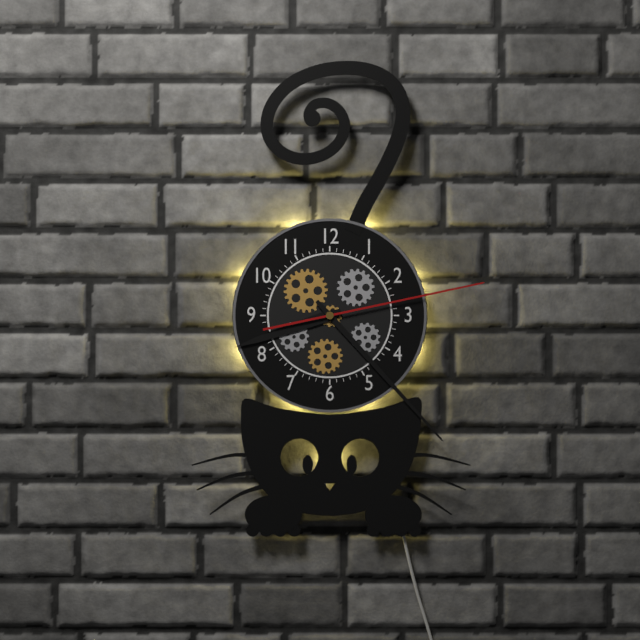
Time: **8:23:13**
